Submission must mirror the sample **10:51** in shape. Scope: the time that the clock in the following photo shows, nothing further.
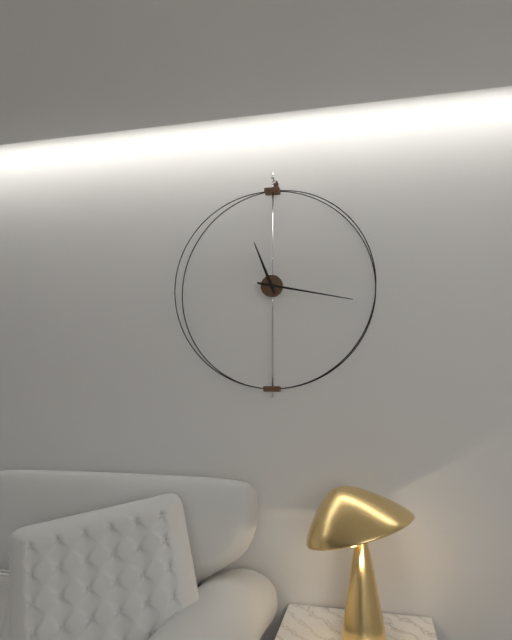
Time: **11:17**
